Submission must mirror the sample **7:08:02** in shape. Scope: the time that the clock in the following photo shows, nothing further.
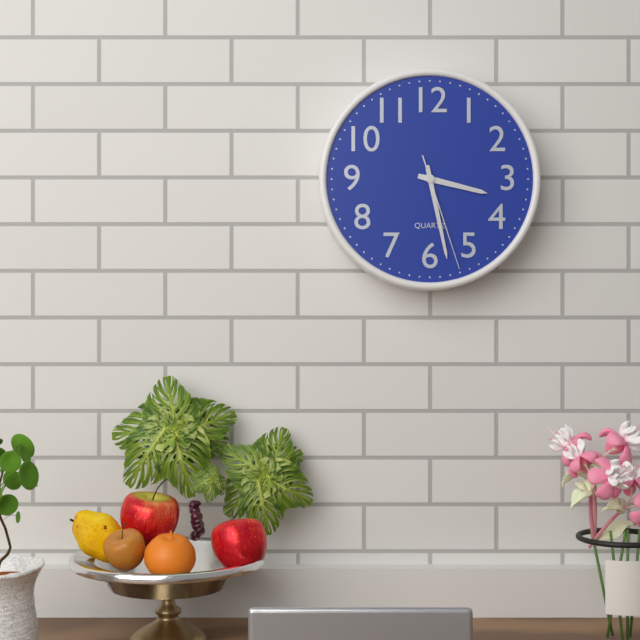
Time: **3:28:27**
